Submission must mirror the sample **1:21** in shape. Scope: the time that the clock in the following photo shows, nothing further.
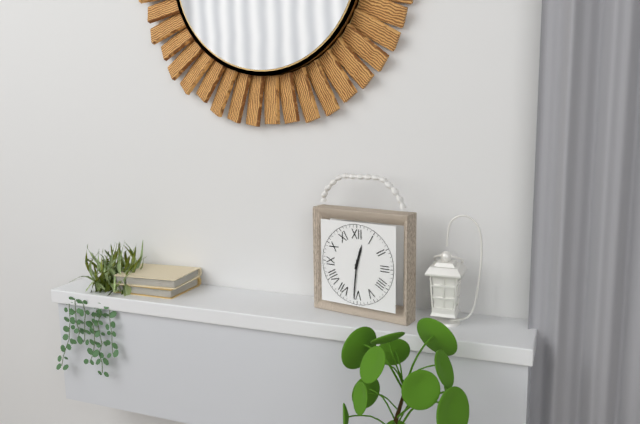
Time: **12:31**
